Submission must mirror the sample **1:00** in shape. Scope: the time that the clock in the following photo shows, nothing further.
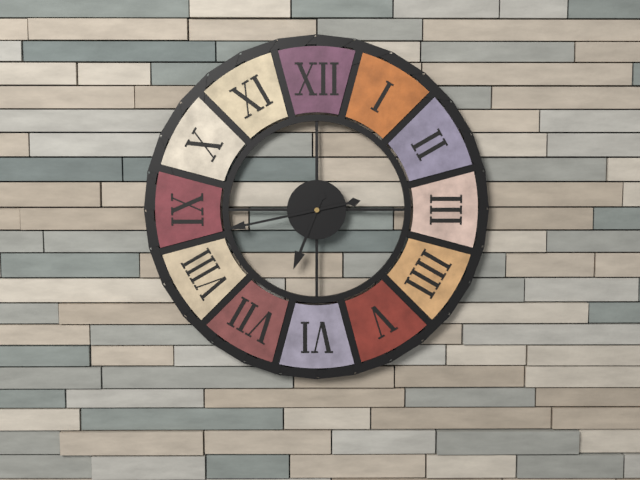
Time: **6:43**
